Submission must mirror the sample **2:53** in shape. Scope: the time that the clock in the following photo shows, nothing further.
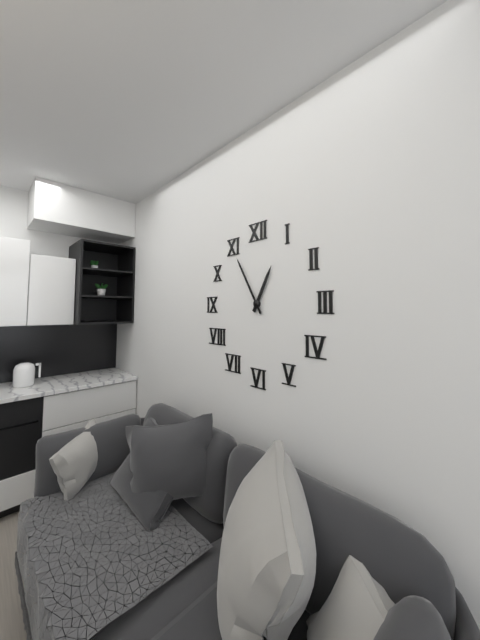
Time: **12:55**
